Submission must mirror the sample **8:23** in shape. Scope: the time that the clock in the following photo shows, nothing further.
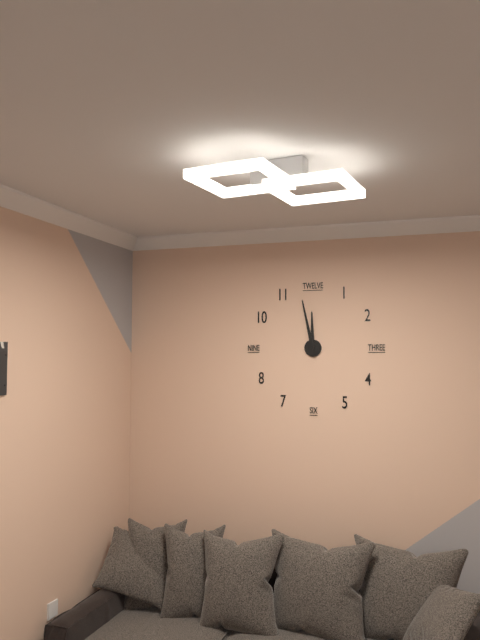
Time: **11:58**
